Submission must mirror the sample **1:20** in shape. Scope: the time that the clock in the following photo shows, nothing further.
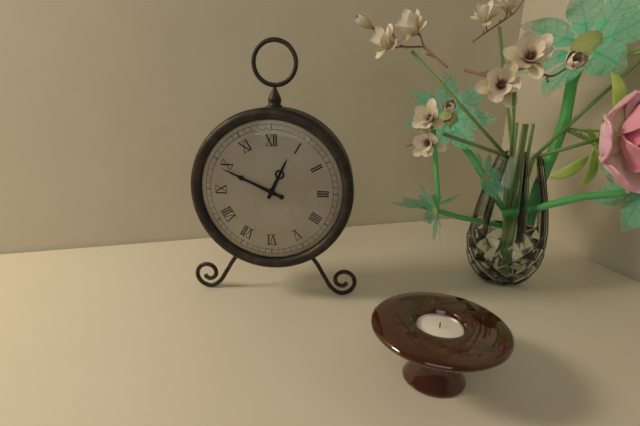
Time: **12:49**
